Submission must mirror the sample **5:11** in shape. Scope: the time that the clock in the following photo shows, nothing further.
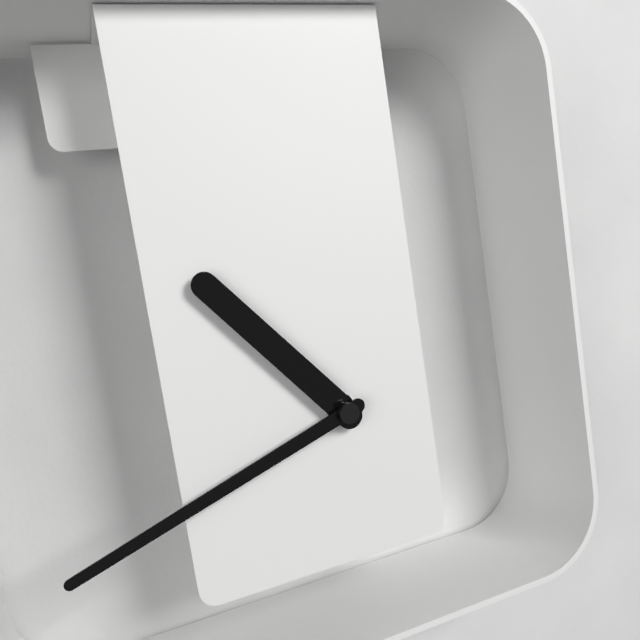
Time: **10:42**
